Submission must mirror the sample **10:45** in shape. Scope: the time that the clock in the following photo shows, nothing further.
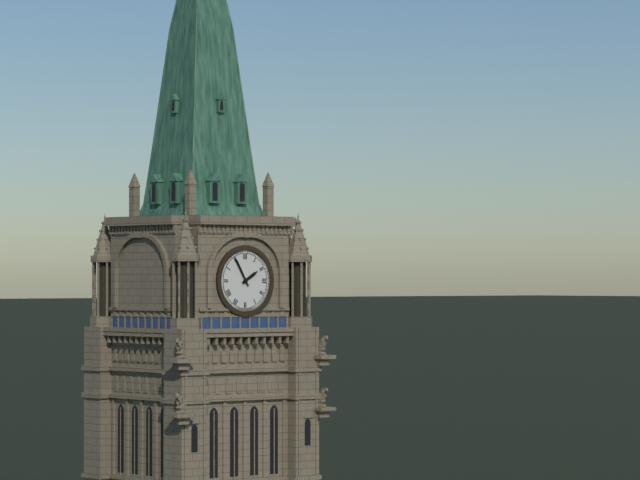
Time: **1:55**
